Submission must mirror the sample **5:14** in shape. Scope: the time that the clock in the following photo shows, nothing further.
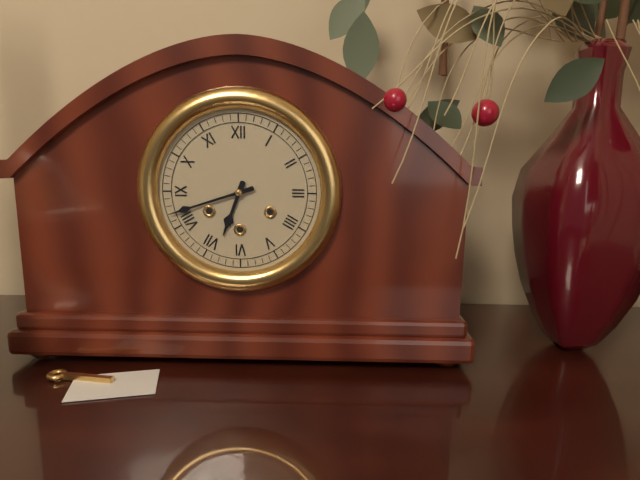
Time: **6:42**
